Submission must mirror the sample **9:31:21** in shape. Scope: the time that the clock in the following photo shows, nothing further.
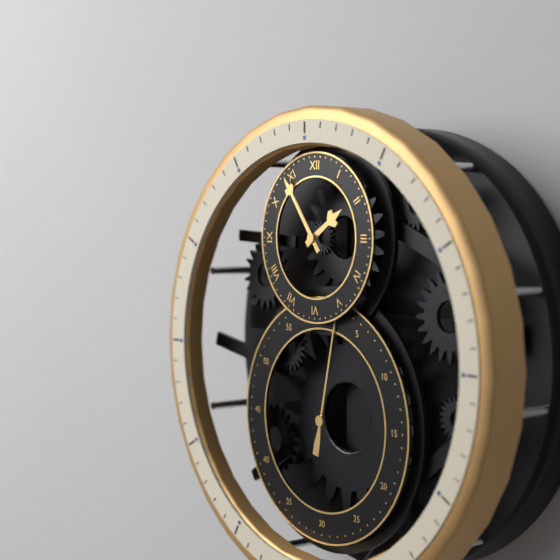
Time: **1:54:02**
